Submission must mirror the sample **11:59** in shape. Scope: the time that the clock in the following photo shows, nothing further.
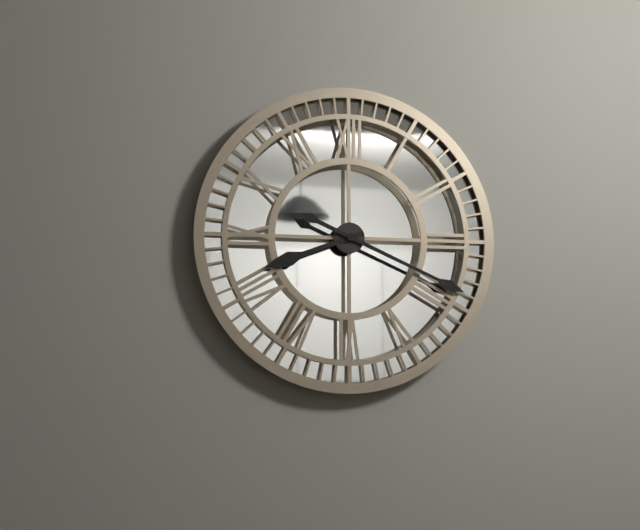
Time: **8:19**
